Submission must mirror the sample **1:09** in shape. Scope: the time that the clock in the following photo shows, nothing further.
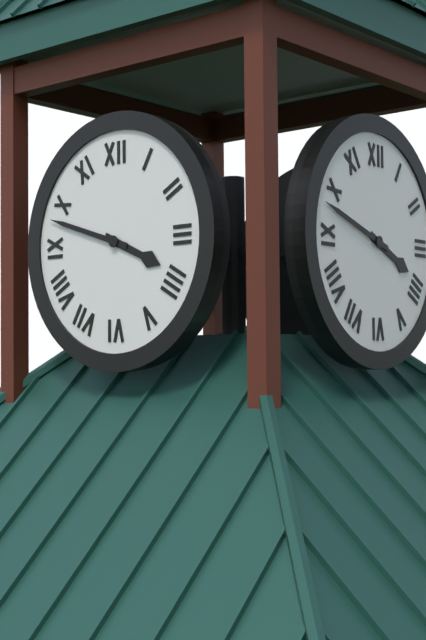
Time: **3:48**
